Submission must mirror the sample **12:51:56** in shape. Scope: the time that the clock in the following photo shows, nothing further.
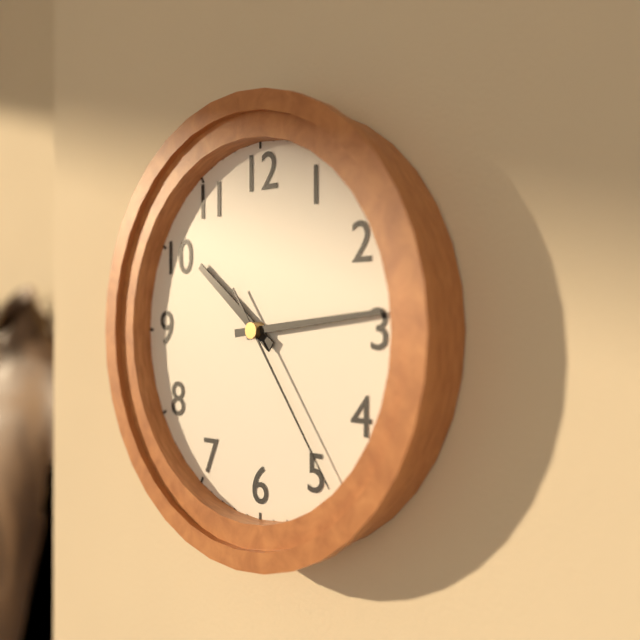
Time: **10:14:24**
